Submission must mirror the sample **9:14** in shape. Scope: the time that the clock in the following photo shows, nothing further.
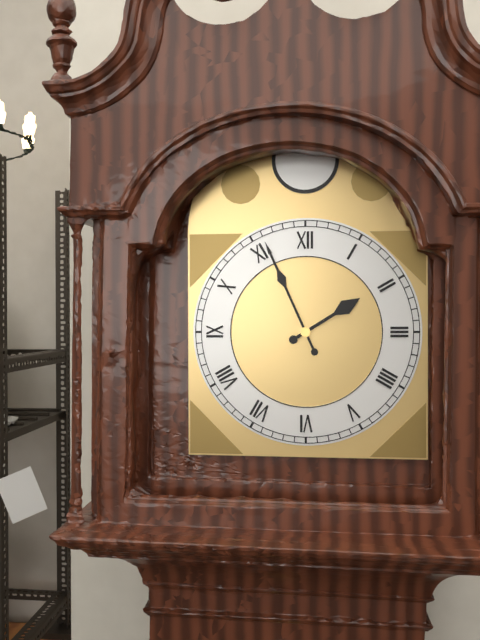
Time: **1:56**
